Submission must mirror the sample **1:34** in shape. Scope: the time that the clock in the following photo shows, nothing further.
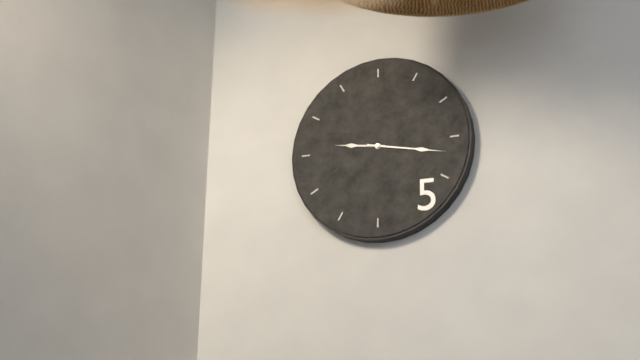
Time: **9:17**
